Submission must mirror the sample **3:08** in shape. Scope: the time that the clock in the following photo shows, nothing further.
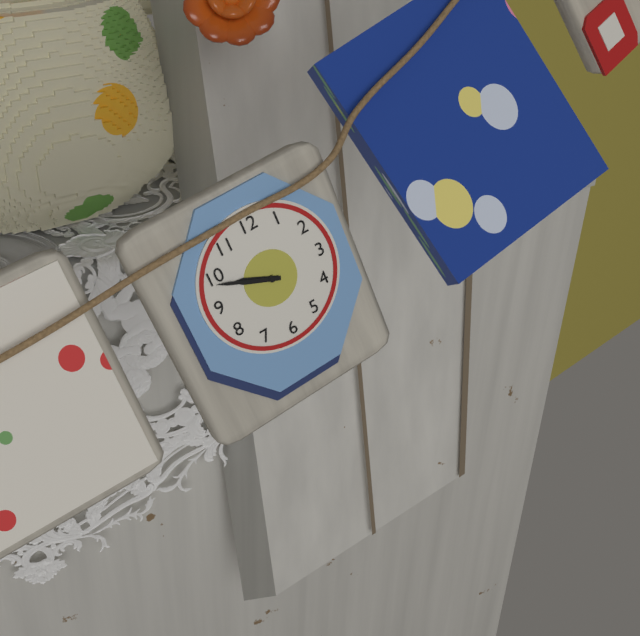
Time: **9:49**
